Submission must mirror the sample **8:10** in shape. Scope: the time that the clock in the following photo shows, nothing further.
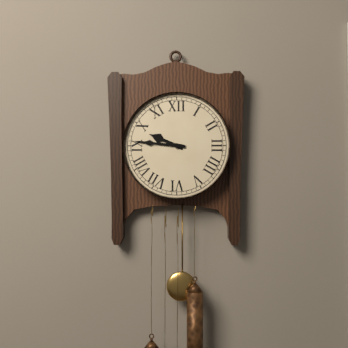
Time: **9:46**
